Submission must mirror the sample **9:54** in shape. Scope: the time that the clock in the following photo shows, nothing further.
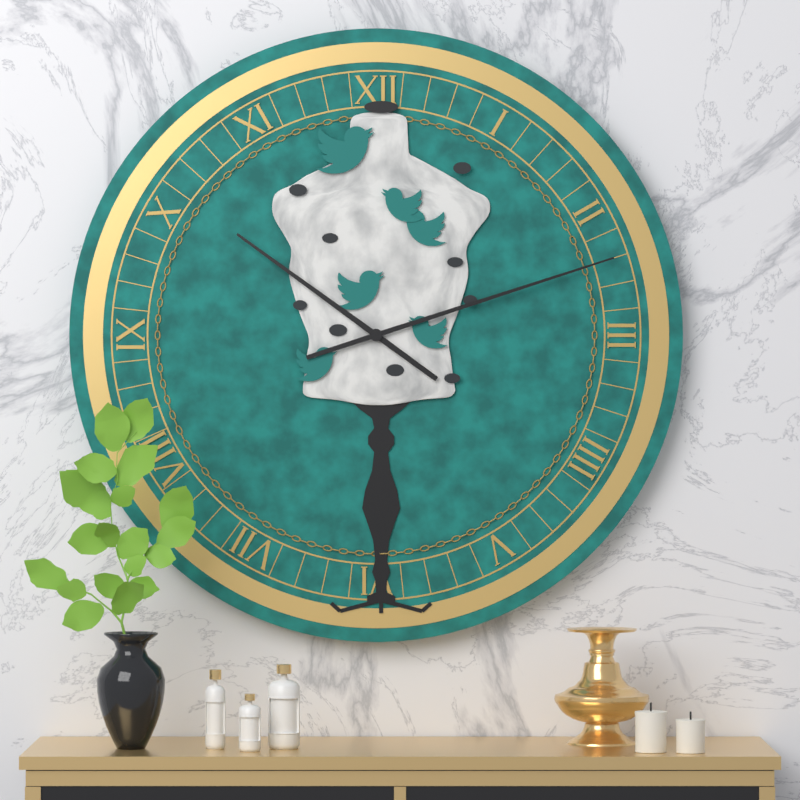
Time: **10:12**
